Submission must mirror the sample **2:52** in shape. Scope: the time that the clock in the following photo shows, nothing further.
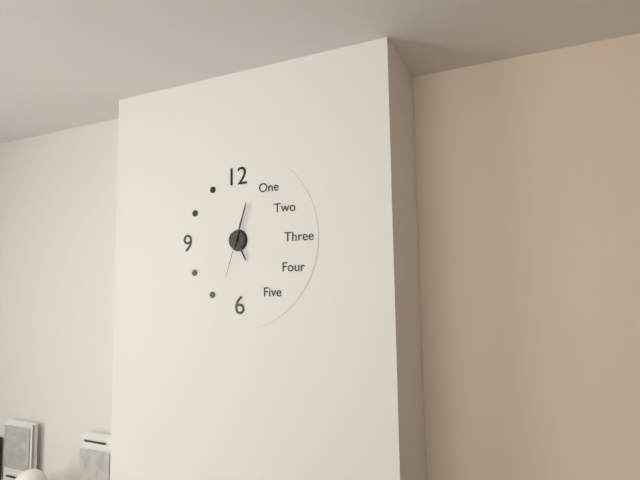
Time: **5:03**
